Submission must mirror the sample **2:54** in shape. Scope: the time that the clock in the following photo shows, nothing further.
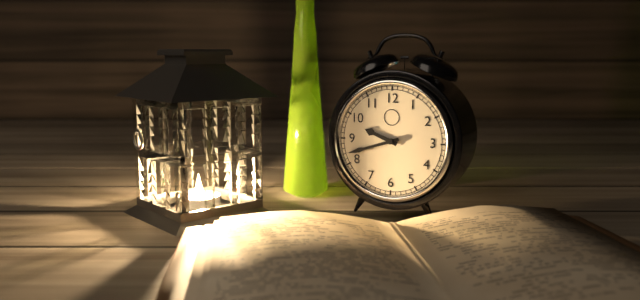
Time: **9:42**
